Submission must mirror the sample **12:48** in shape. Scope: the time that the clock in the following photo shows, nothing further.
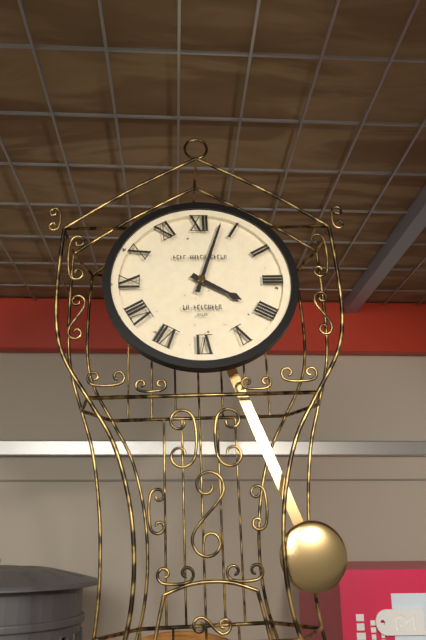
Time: **4:03**
